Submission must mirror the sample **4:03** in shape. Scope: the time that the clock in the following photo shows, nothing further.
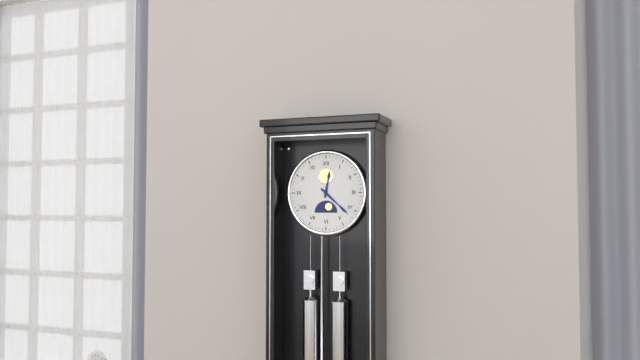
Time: **12:22**
